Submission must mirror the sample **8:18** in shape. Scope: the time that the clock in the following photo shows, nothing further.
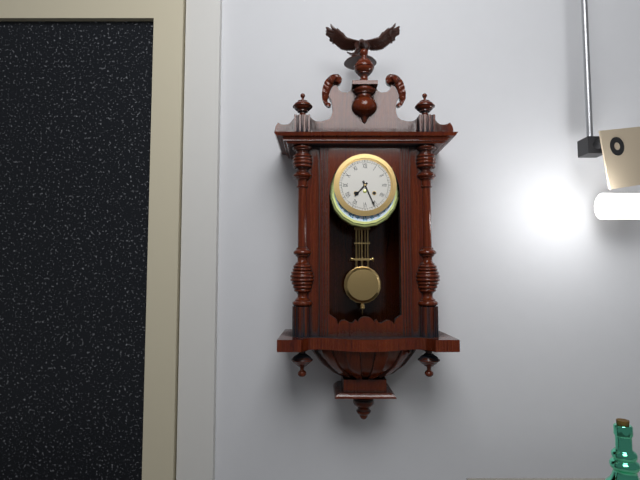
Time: **7:26**
